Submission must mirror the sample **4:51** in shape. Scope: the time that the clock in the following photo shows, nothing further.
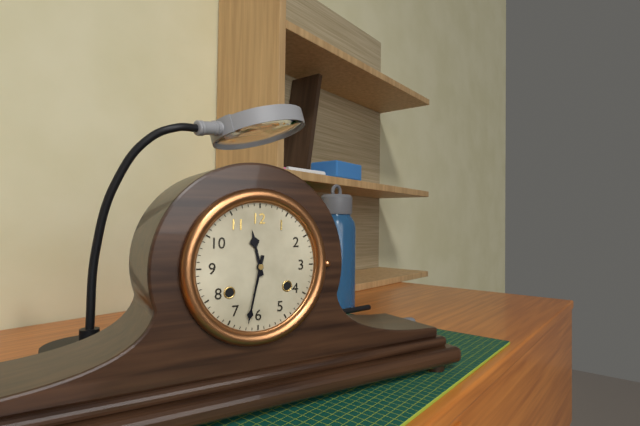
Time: **11:32**
